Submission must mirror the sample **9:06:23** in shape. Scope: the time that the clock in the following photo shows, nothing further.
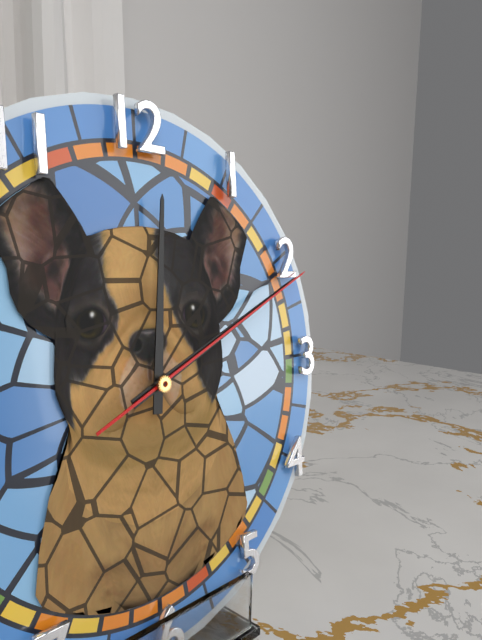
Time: **12:11:11**
